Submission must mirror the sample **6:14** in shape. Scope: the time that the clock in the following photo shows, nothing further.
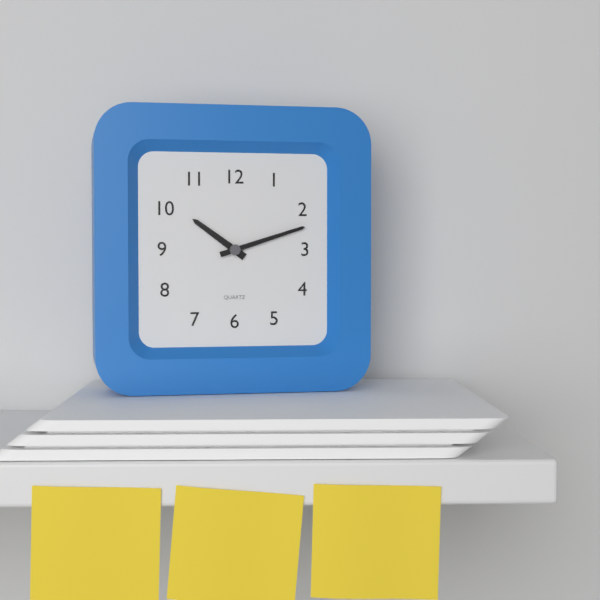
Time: **10:12**
